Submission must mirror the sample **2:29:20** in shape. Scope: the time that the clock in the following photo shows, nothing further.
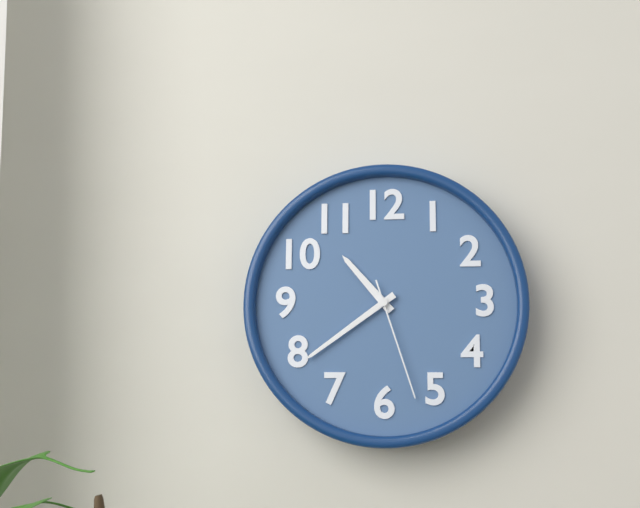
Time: **10:39:27**
